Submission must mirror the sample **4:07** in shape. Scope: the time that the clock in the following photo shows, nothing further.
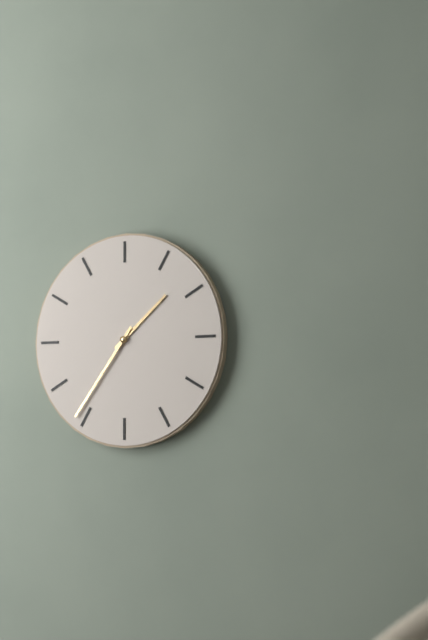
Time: **1:36**
